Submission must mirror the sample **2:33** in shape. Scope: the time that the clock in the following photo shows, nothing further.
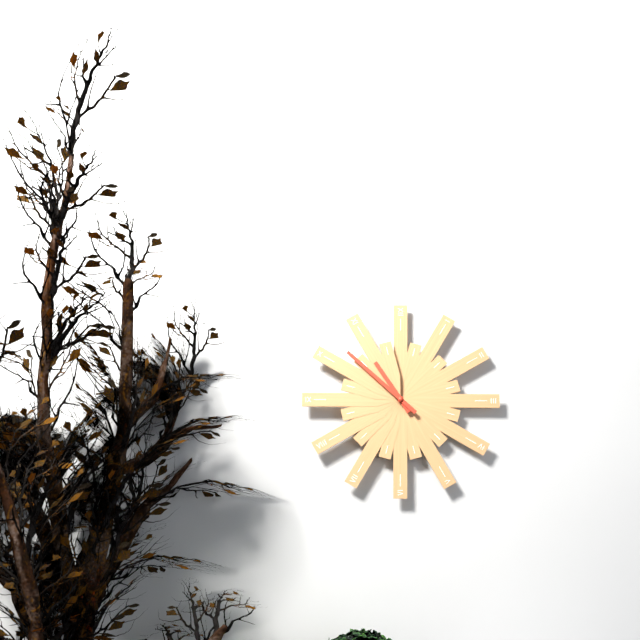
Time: **10:52**
